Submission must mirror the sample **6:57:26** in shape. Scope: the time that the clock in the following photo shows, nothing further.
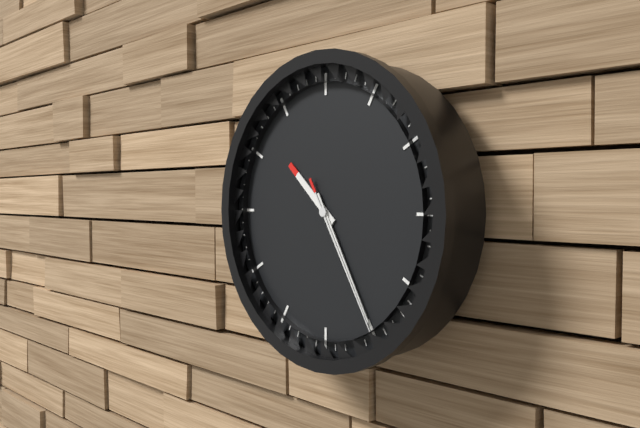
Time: **10:25:25**
